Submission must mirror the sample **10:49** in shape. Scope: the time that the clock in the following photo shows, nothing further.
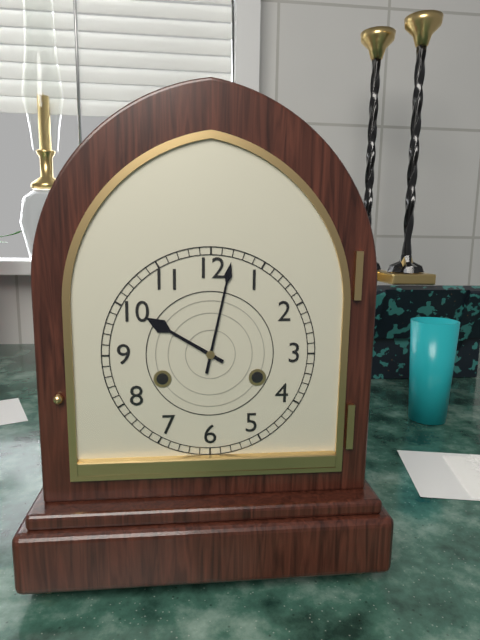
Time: **10:02**
